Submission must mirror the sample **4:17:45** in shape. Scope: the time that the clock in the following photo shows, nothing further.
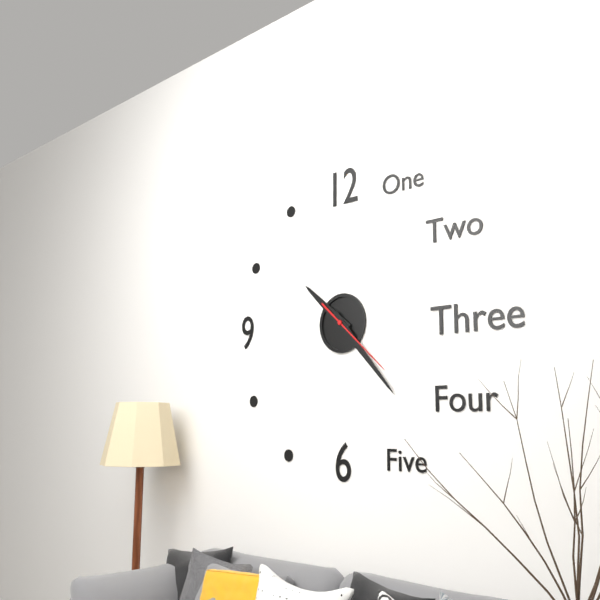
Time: **10:23:22**
